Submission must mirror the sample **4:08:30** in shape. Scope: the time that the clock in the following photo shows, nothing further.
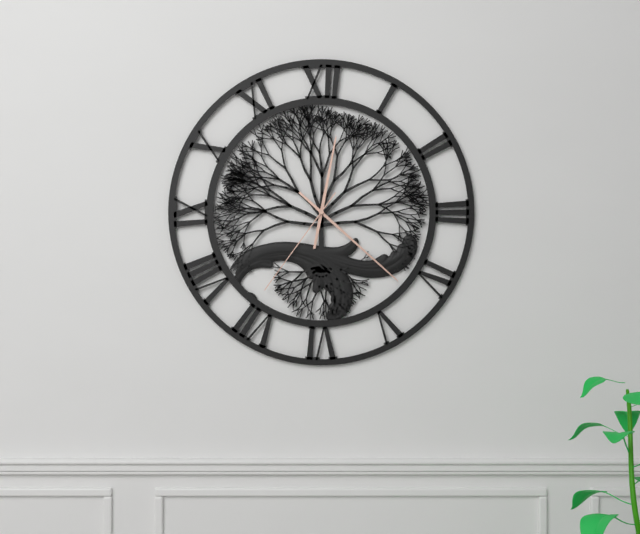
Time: **12:22:36**
